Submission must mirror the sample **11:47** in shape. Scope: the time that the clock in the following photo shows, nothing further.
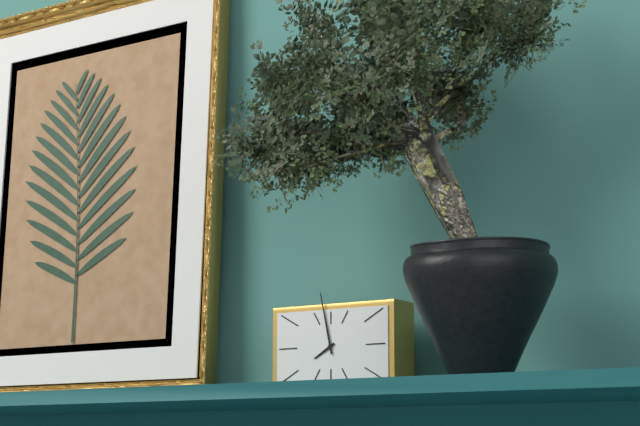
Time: **7:58**
